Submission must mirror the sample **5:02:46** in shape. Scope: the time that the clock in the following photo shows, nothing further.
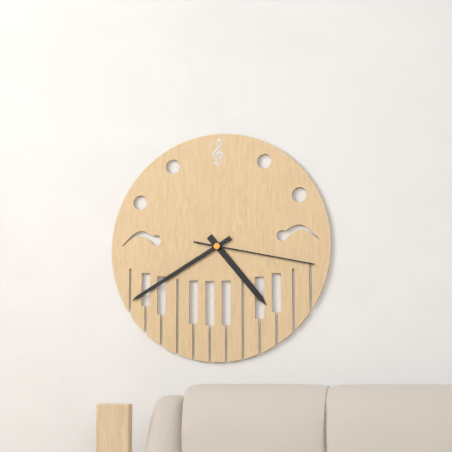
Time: **4:40:17**
